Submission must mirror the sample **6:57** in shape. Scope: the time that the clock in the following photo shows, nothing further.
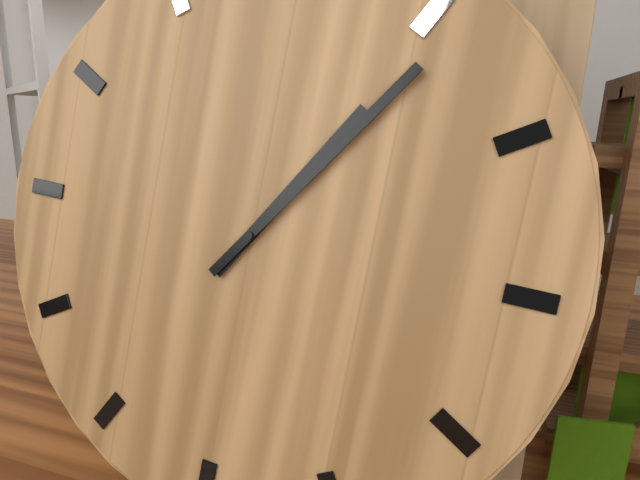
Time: **1:06**
